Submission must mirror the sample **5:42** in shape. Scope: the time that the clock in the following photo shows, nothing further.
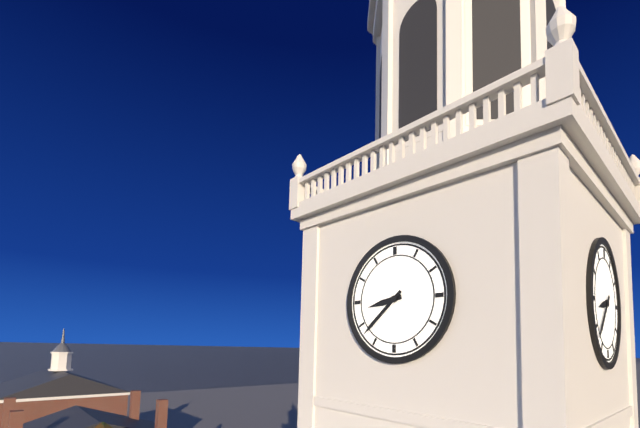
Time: **8:38**
